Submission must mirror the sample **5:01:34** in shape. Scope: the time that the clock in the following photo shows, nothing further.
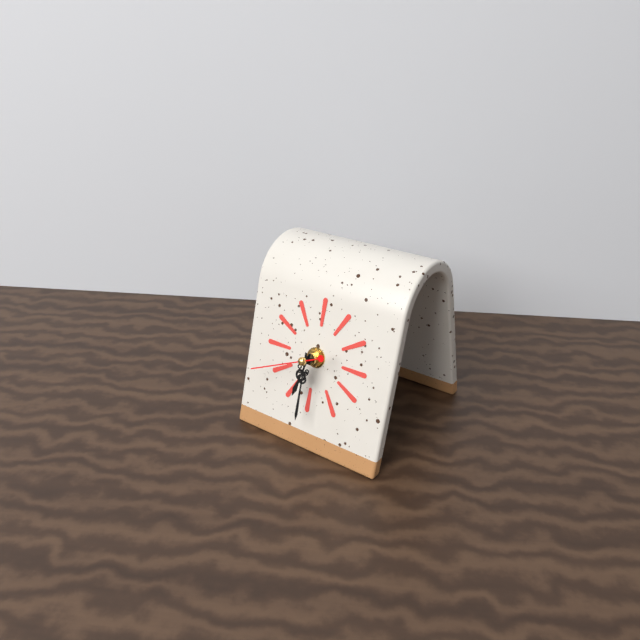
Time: **6:30:41**
